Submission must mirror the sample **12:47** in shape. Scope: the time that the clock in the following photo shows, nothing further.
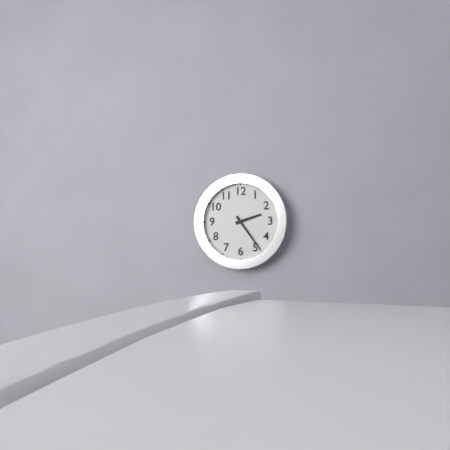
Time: **2:24**
